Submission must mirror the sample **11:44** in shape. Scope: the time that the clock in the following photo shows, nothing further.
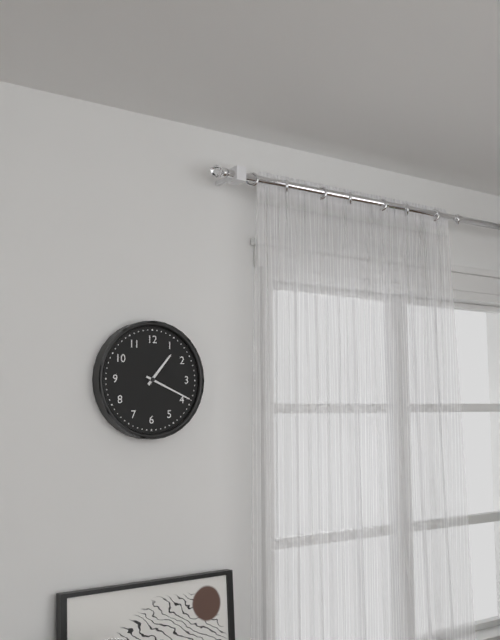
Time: **1:19**
